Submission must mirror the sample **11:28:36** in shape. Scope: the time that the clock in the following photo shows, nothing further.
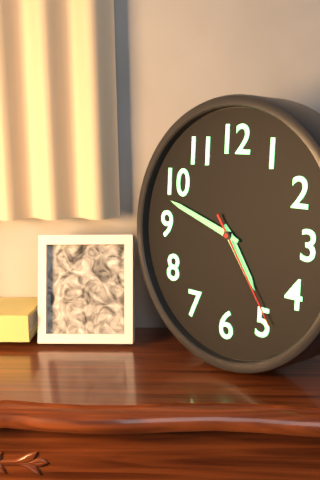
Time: **4:48:24**
